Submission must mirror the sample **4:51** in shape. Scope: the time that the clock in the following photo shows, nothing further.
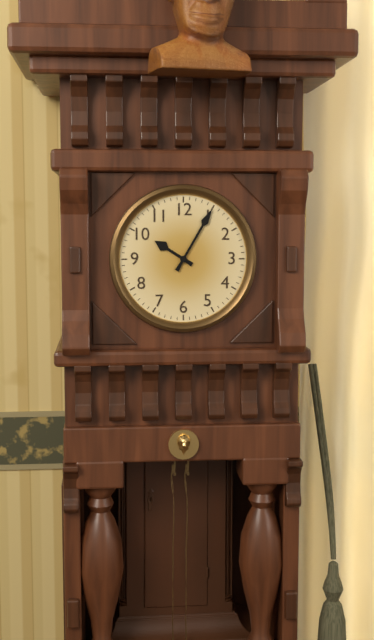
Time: **10:05**
